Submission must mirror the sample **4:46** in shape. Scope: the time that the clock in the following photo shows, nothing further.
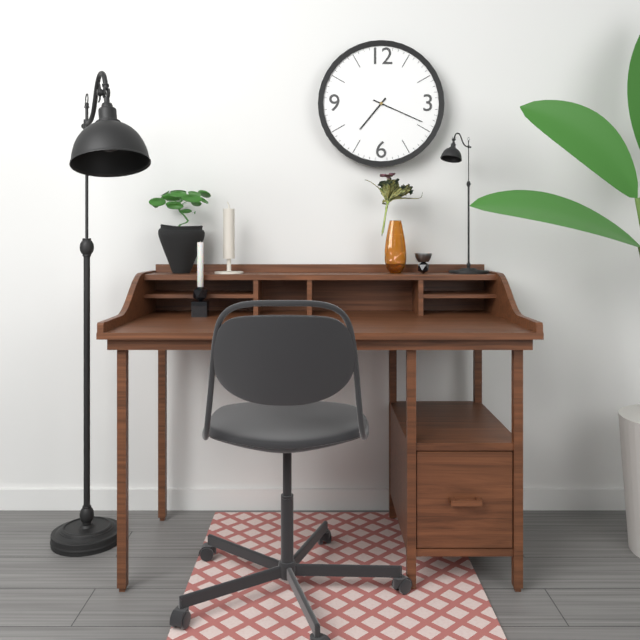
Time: **7:19**
